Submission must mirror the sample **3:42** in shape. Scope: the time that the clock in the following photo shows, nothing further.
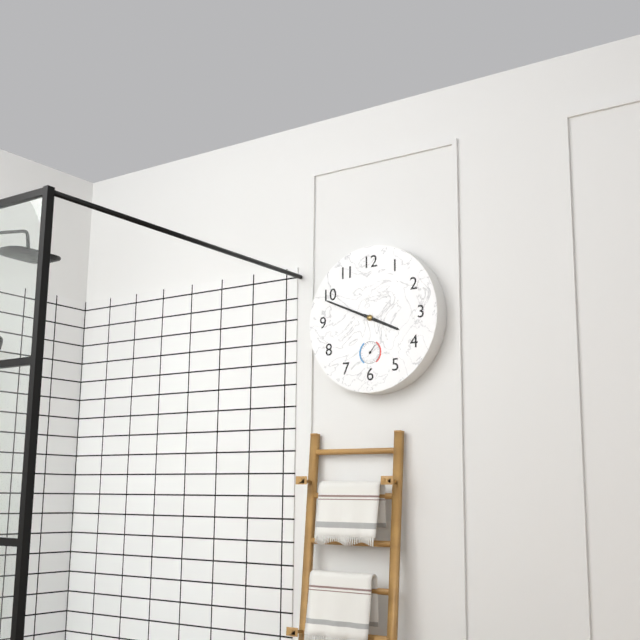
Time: **3:49**
